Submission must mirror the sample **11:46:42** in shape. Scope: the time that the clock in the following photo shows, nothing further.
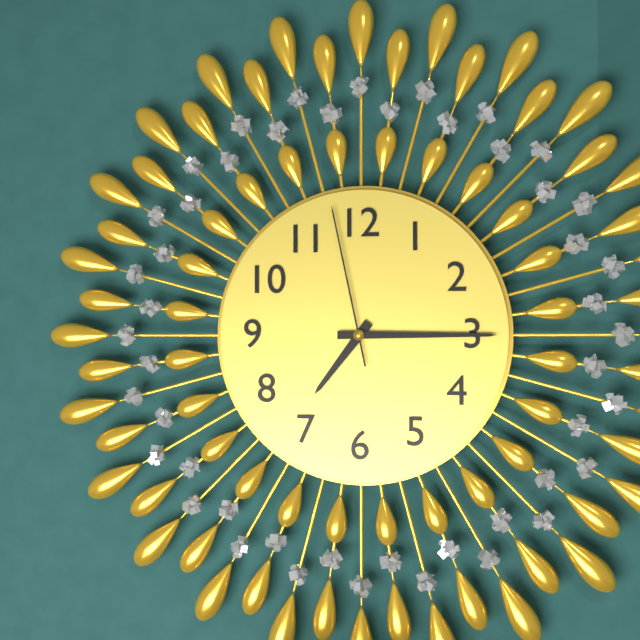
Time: **7:15:58**
